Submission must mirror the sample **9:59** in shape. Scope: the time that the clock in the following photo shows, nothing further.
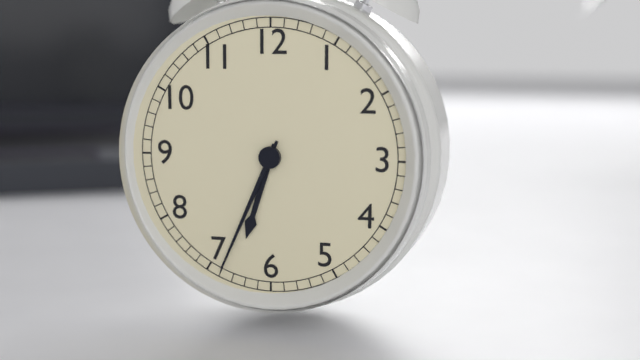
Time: **6:34**
